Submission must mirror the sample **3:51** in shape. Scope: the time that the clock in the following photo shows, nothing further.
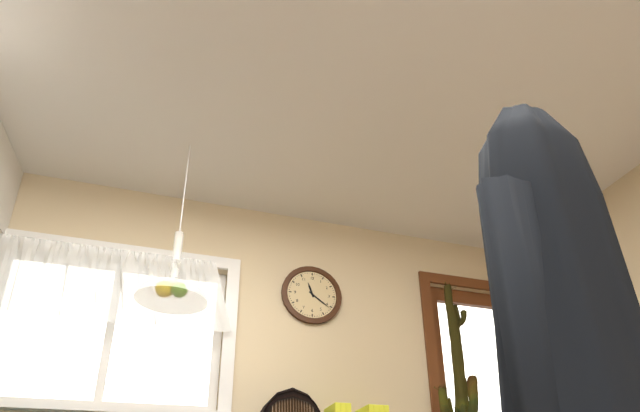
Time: **11:21**
